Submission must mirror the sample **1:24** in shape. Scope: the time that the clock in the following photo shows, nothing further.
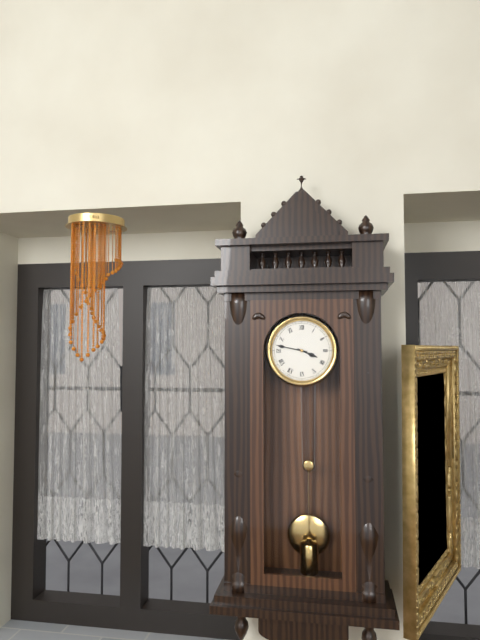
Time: **3:47**
